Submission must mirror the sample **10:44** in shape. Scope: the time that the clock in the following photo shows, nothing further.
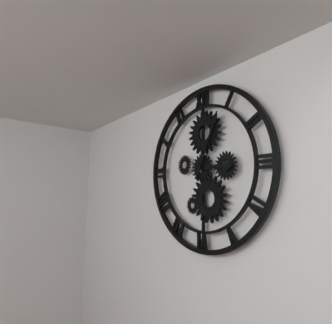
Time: **3:04**
